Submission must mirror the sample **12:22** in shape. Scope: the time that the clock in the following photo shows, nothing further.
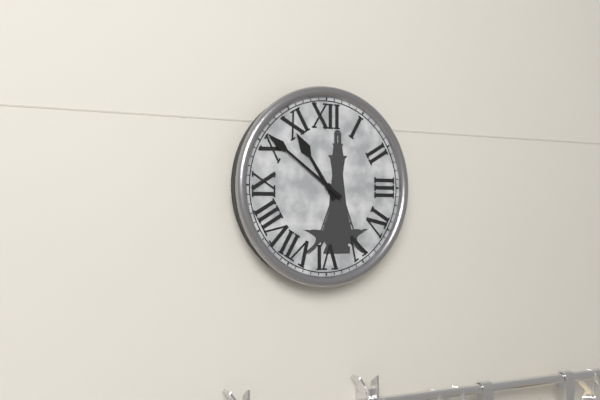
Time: **10:51**
